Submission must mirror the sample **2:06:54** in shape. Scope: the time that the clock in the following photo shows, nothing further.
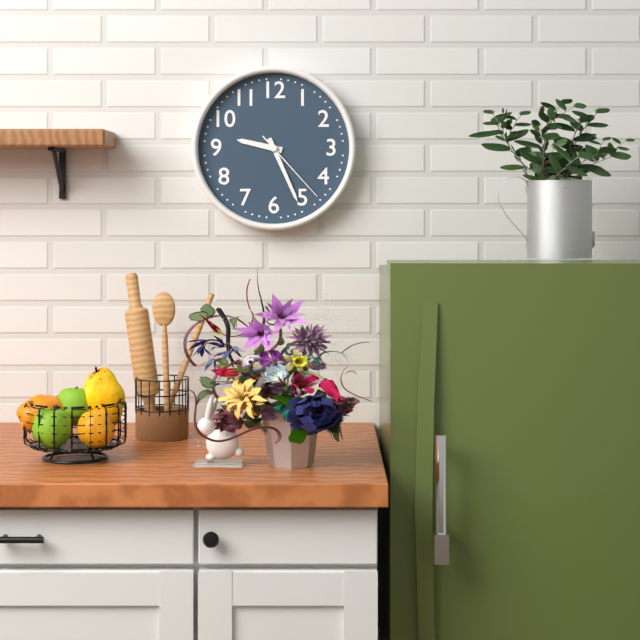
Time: **9:26:23**
